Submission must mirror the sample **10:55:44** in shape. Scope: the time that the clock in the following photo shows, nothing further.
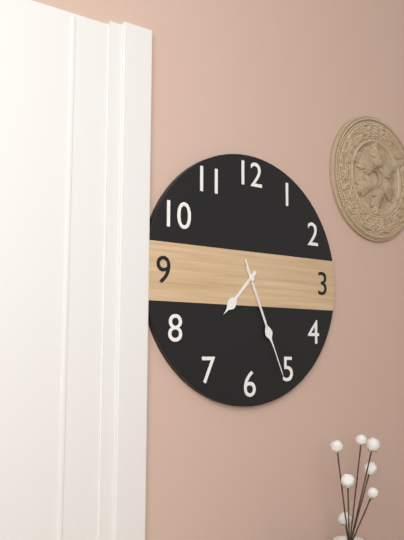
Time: **7:26:26**
